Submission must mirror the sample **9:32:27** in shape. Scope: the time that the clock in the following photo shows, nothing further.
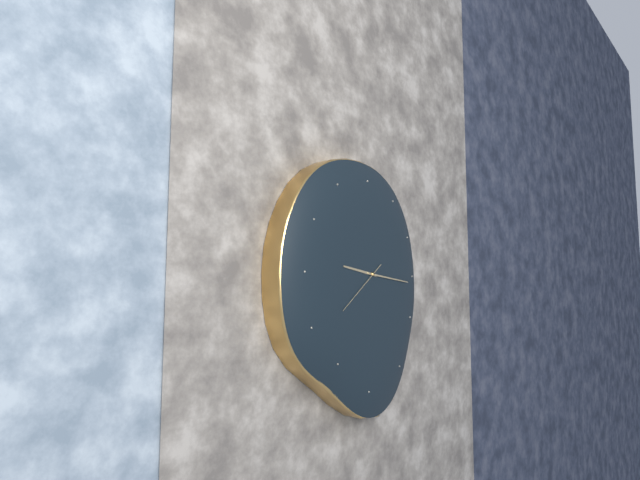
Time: **9:16:39**
